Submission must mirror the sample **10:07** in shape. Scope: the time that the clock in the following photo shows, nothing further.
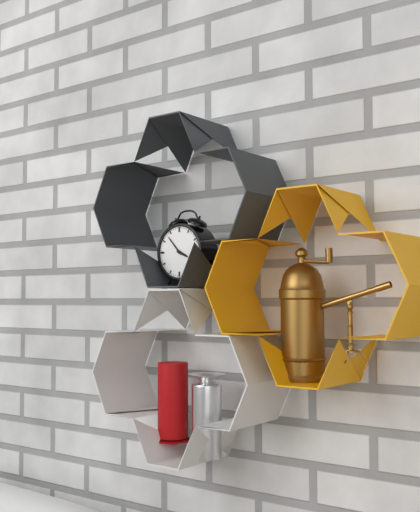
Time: **3:53**
